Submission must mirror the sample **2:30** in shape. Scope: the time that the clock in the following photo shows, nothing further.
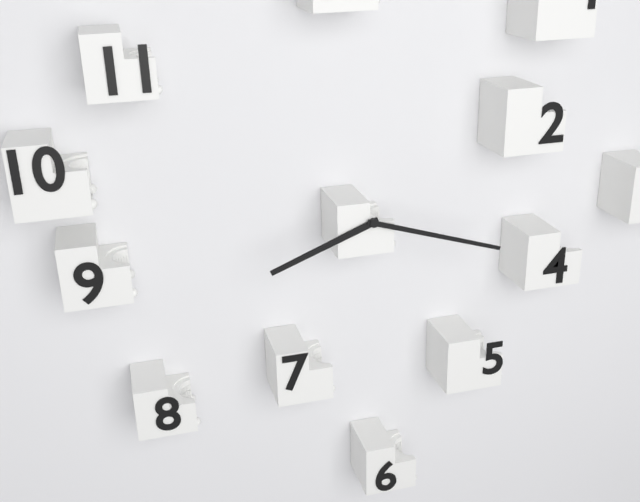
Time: **8:18**
